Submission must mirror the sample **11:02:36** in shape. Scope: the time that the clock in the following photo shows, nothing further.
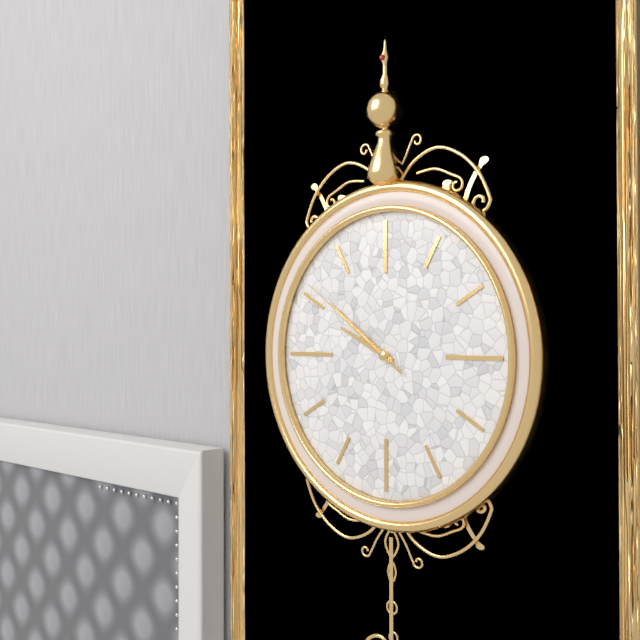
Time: **9:51:51**
